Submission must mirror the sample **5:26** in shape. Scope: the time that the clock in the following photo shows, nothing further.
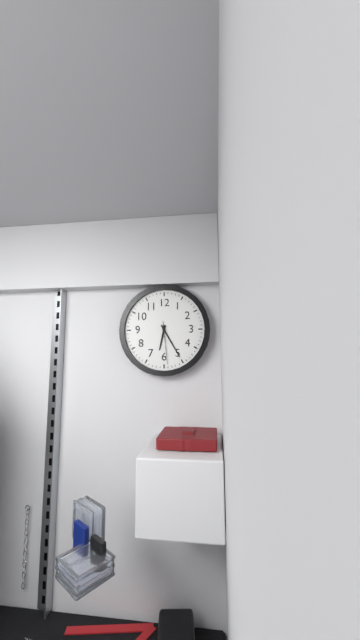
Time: **6:25**
